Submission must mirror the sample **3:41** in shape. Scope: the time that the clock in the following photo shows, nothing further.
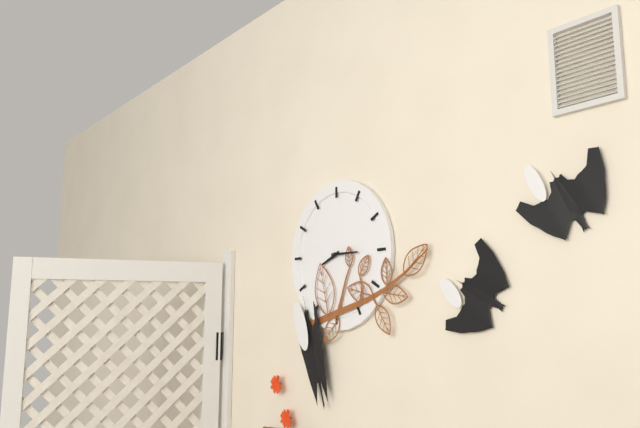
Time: **8:15**
